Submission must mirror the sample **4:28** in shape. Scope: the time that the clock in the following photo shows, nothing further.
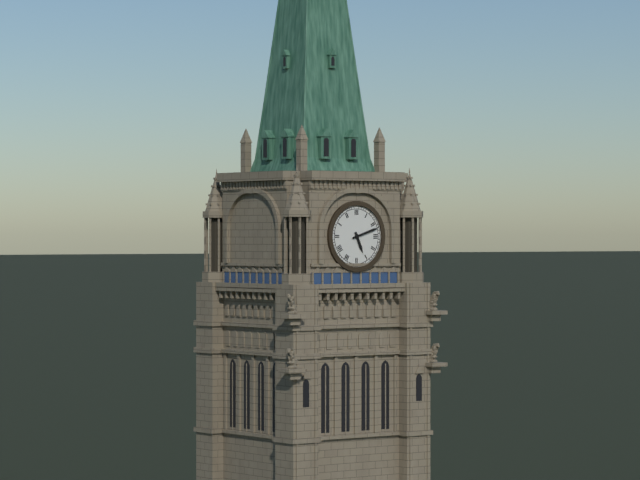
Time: **5:12**
